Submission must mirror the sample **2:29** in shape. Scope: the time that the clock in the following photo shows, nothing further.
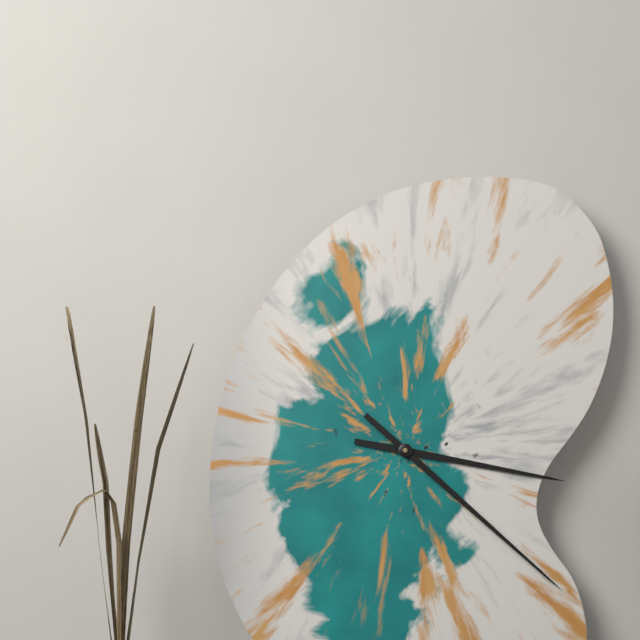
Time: **3:22**
